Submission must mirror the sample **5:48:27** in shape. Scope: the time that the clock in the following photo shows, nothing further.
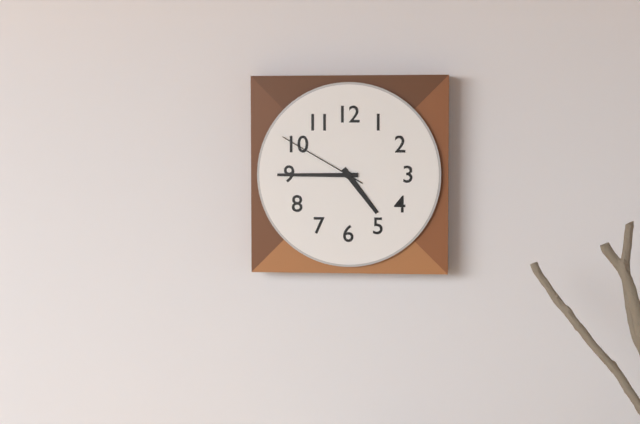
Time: **4:45:50**
